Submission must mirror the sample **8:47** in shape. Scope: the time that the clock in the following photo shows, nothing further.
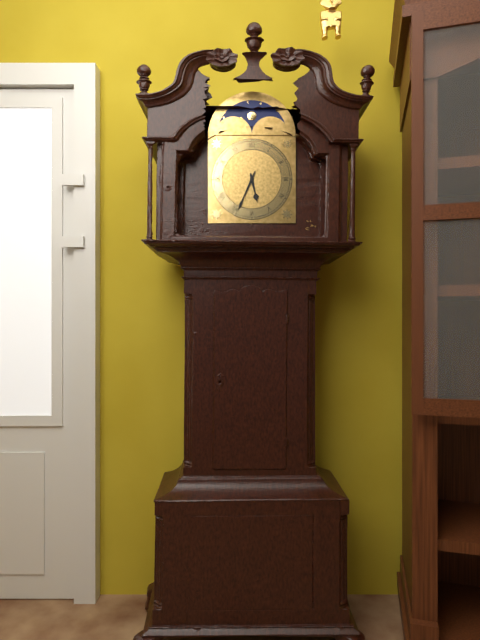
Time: **5:34**
